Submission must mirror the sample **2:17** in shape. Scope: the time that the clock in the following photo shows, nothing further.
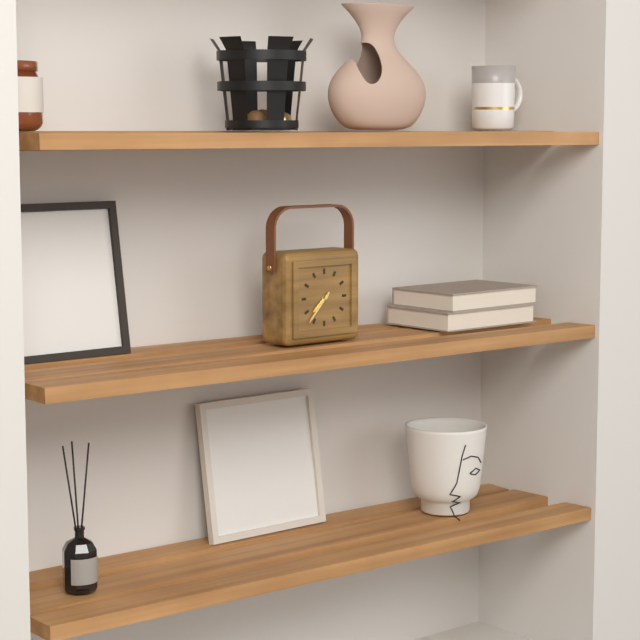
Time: **7:37**
